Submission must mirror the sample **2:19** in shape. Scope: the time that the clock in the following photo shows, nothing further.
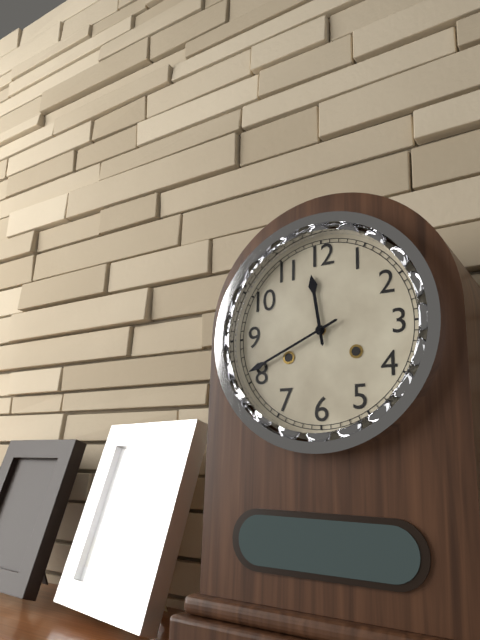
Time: **11:41**
